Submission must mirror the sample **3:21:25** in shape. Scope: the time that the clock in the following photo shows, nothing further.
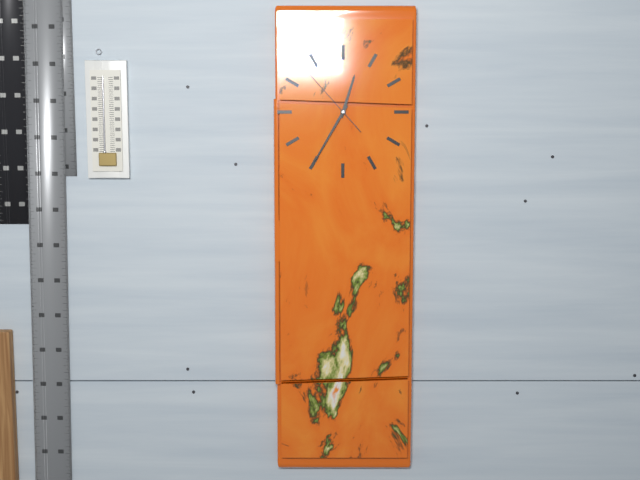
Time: **12:35:53**
